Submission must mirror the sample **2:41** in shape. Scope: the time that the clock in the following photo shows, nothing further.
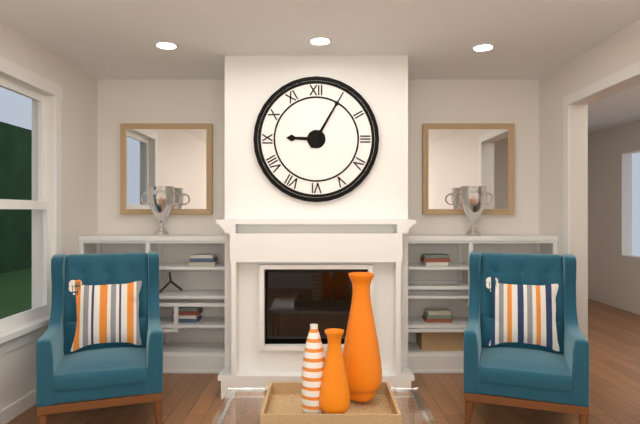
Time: **9:05**
